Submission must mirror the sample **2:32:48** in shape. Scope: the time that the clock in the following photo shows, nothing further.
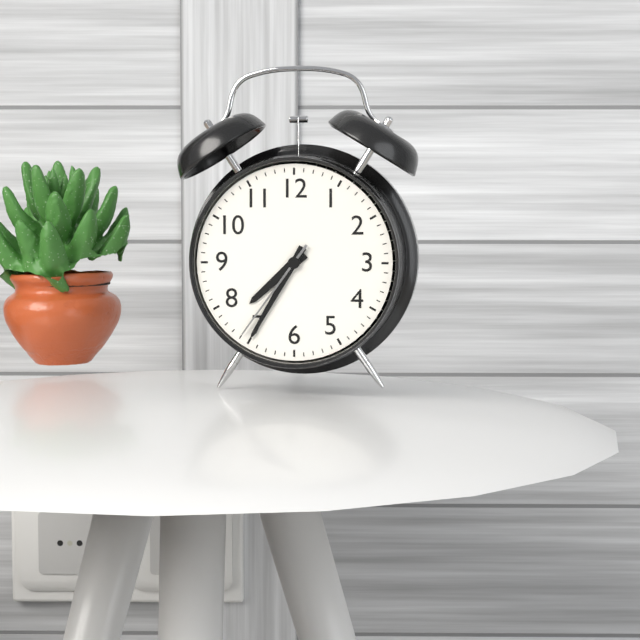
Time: **7:35:36**
